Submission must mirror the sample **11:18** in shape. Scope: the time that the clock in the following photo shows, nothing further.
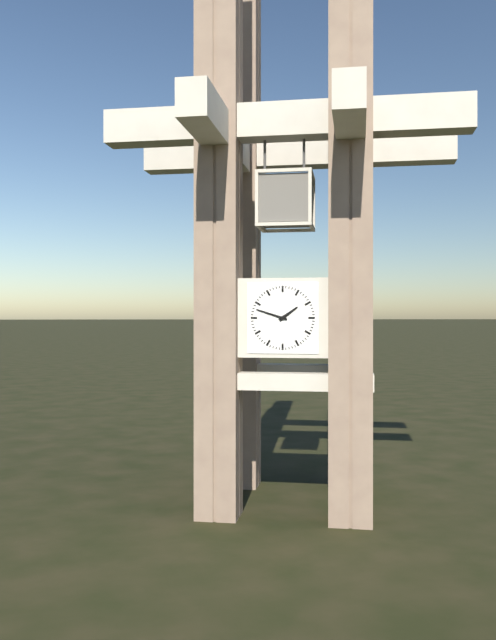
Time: **1:48**
